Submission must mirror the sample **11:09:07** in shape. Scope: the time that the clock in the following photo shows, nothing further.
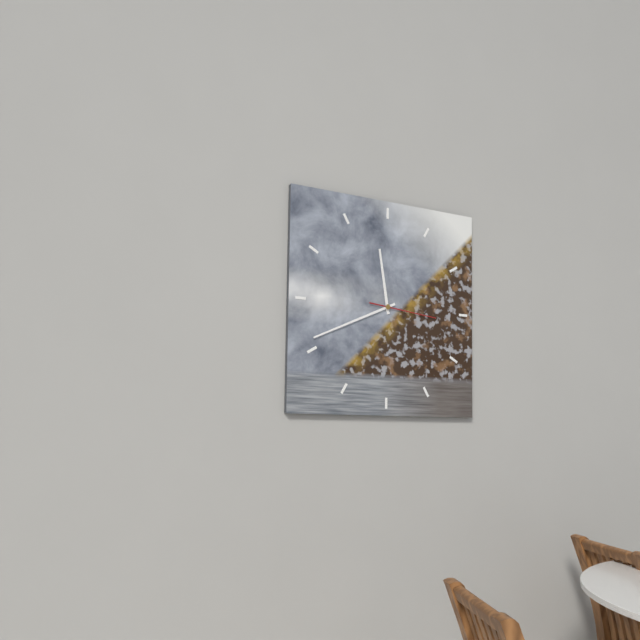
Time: **11:41:16**
